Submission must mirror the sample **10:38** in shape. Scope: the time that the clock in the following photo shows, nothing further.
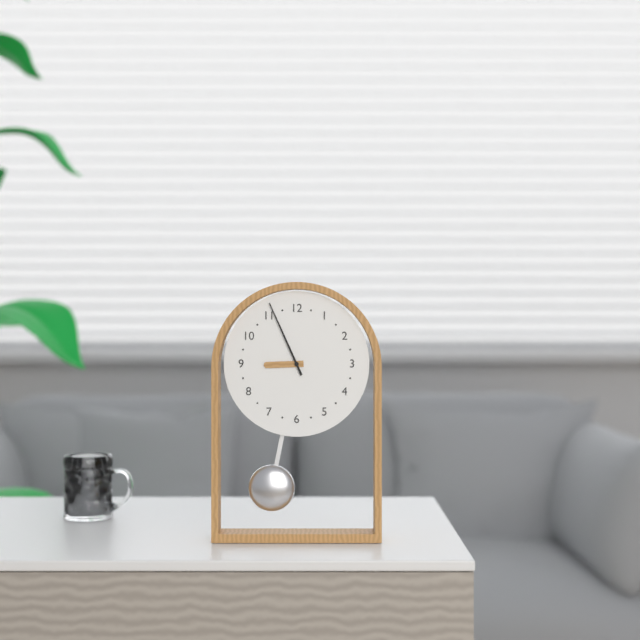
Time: **8:56**
